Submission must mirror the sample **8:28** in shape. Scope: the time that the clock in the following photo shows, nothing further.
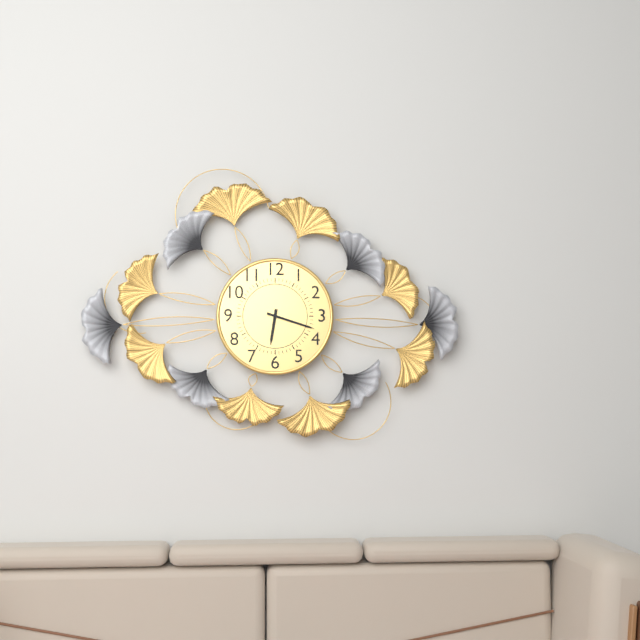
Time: **6:18**
